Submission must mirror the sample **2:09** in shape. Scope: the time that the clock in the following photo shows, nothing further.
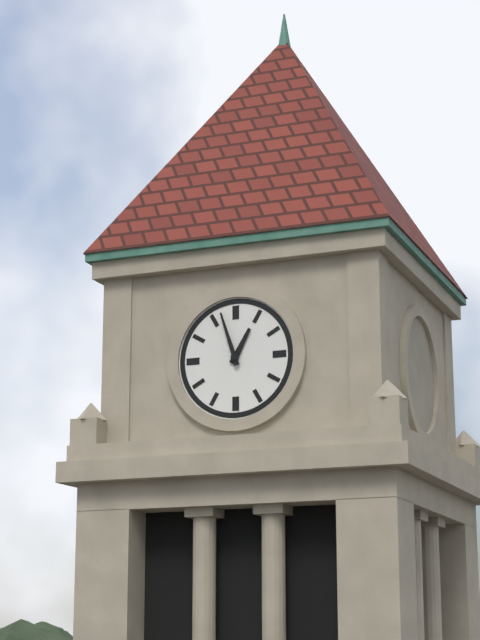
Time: **12:57**
